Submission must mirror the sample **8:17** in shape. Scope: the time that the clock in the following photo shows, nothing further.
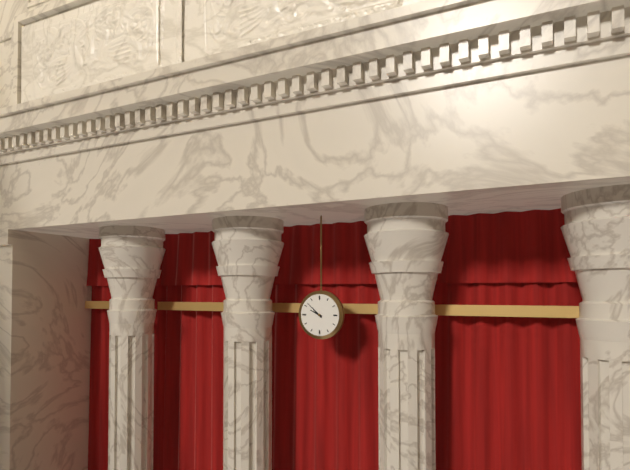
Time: **9:52**
